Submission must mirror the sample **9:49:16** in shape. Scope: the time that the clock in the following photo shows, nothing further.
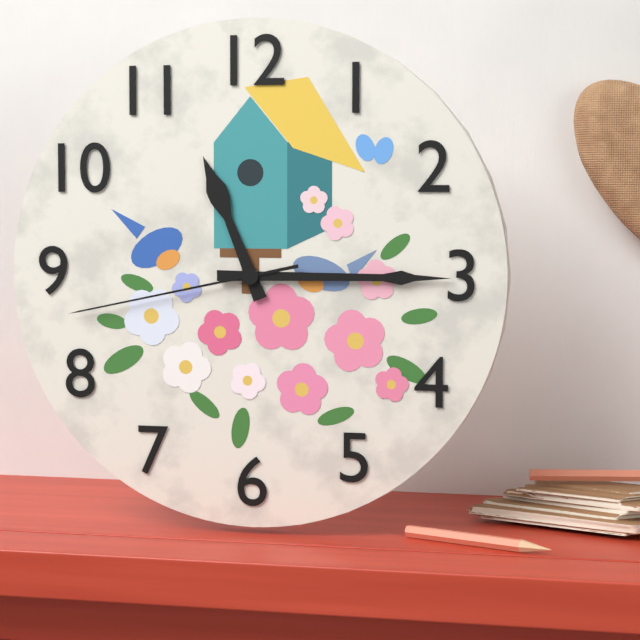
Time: **11:15:43**
